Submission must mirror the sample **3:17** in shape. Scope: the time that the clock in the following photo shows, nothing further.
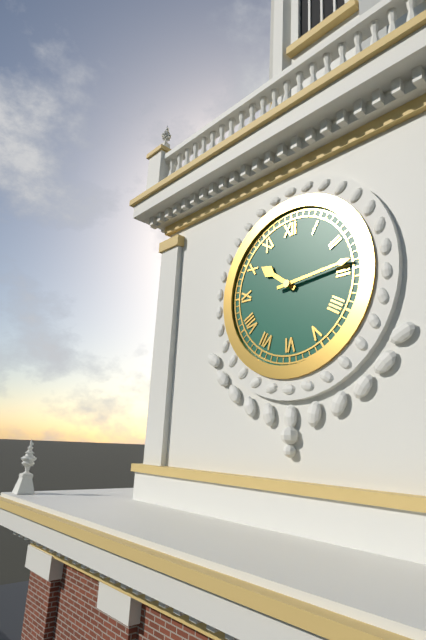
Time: **10:14**
